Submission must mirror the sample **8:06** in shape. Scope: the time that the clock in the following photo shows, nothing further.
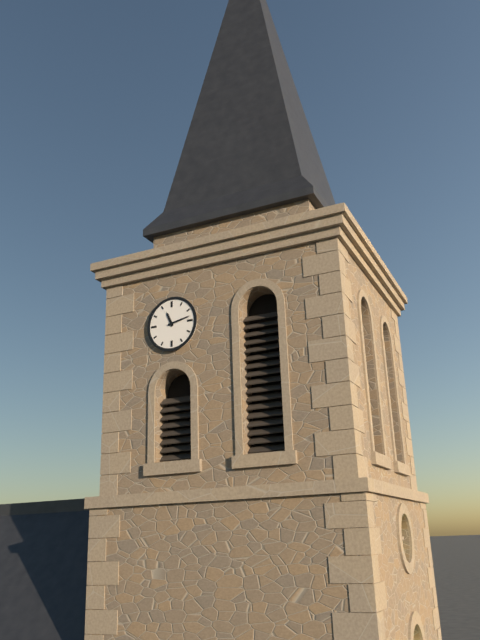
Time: **11:13**
